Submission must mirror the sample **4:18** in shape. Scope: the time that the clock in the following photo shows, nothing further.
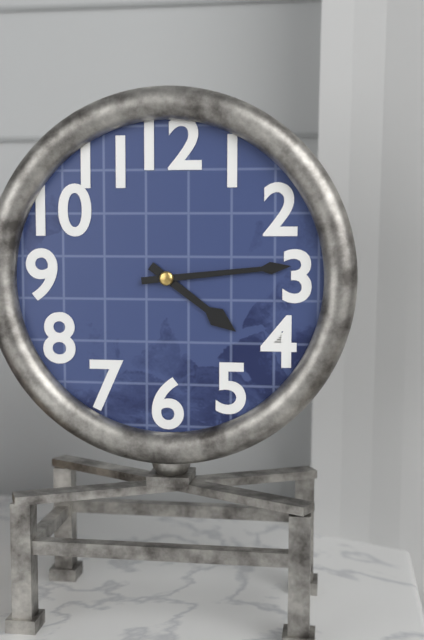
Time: **4:14**
